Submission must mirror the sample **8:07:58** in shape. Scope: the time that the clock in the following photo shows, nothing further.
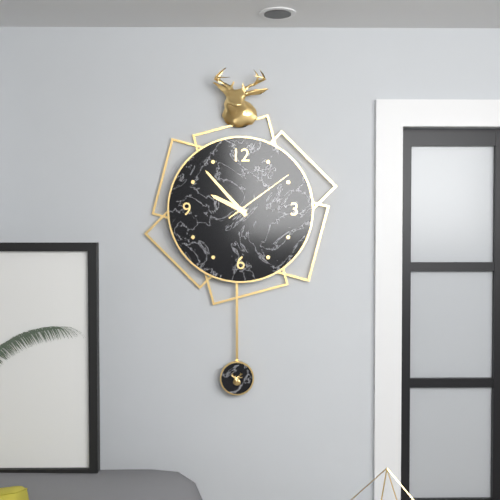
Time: **9:53:09**
